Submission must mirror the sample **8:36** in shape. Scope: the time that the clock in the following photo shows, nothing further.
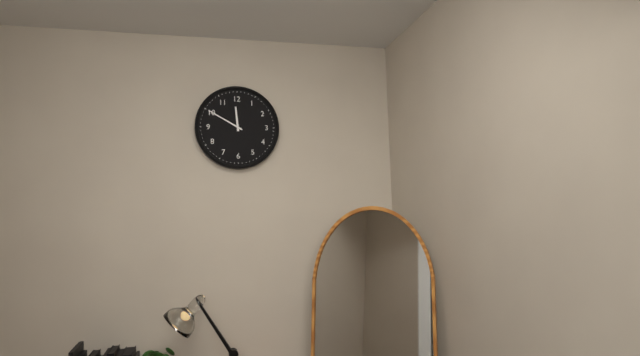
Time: **11:50**
